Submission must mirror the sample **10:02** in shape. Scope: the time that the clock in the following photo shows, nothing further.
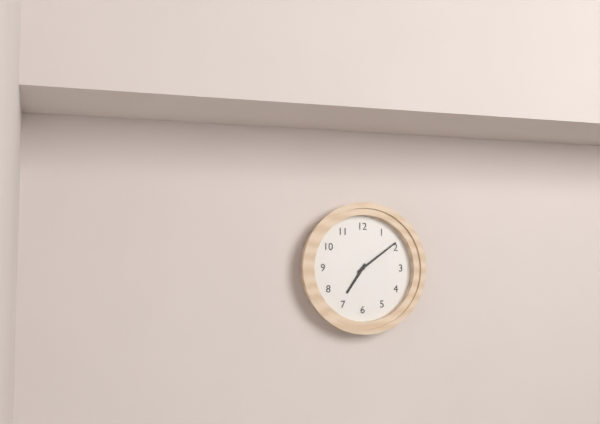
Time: **7:09**
